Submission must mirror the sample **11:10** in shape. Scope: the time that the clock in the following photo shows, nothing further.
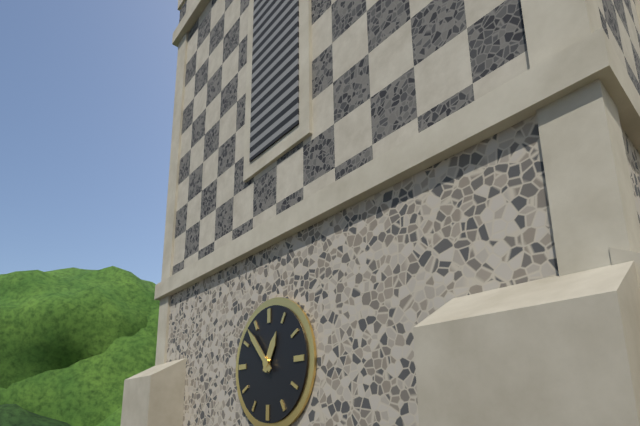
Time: **12:53**
